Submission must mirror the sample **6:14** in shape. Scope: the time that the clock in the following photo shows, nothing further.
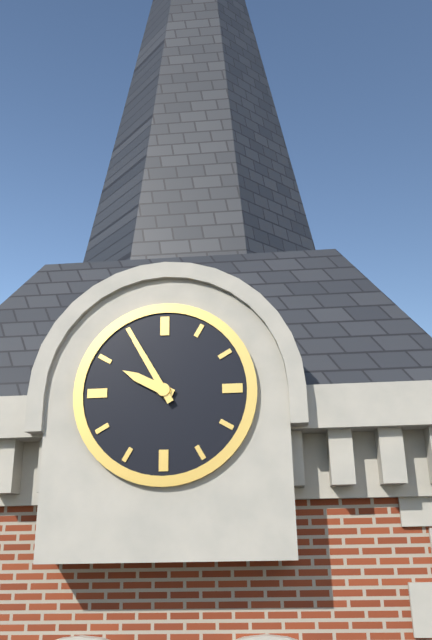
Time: **9:55**
